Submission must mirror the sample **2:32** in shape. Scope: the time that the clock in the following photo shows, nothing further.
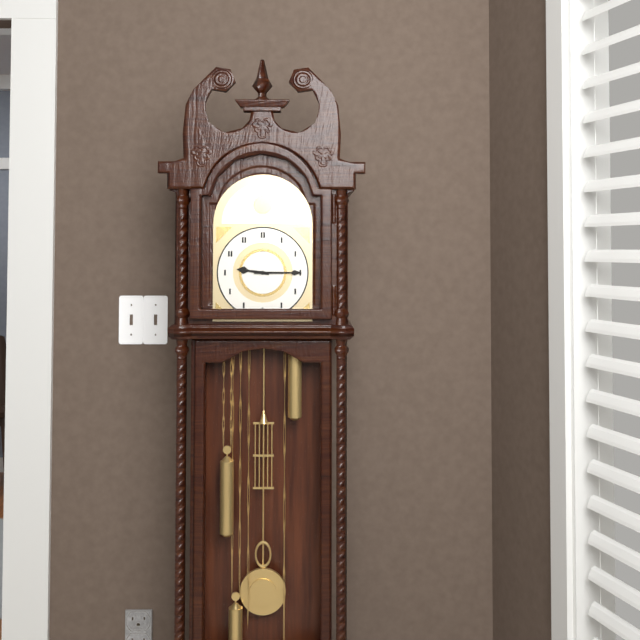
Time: **9:15**
